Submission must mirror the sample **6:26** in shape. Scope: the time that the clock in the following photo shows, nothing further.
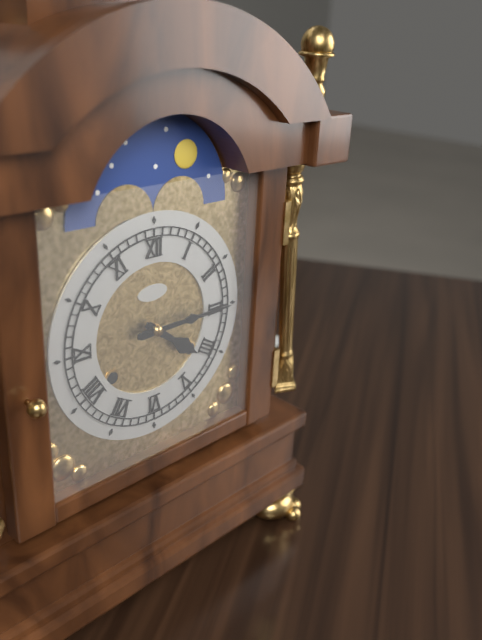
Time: **4:15**
